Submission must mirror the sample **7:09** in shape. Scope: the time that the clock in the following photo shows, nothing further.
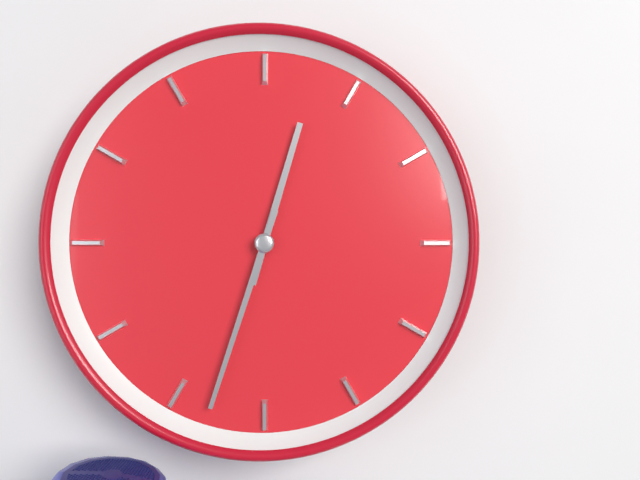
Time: **12:33**
